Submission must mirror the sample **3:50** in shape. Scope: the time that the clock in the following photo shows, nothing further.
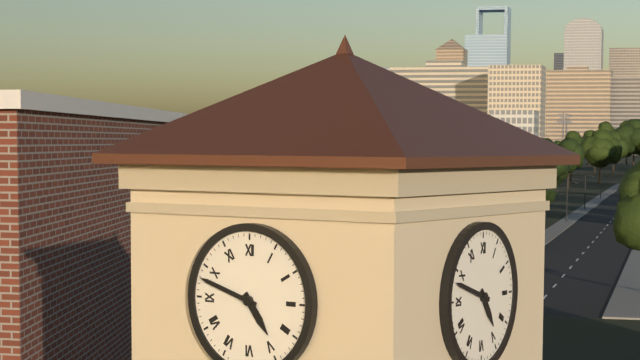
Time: **4:48**
